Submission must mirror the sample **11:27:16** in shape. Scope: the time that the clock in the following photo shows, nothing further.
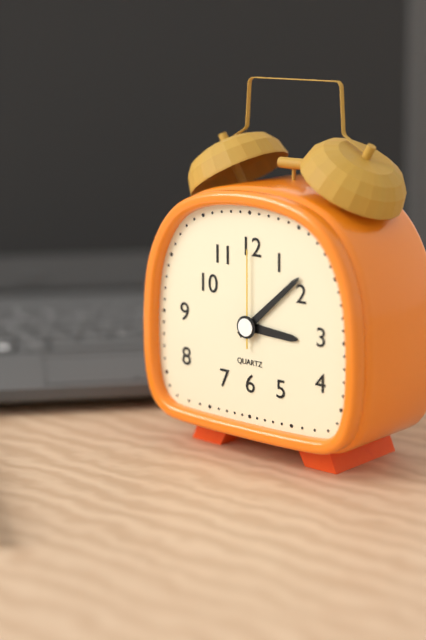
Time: **3:08:00**
